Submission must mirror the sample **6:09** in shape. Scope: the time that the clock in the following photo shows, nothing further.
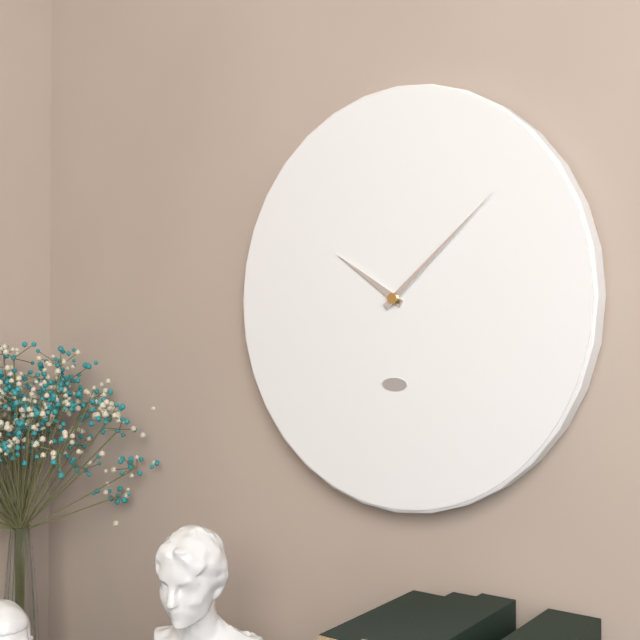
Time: **10:08**
